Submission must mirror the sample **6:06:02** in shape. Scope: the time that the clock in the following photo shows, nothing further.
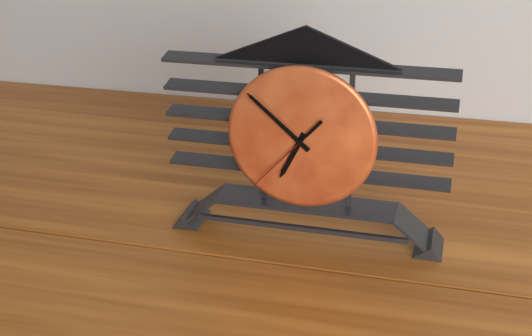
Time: **6:52:37**
